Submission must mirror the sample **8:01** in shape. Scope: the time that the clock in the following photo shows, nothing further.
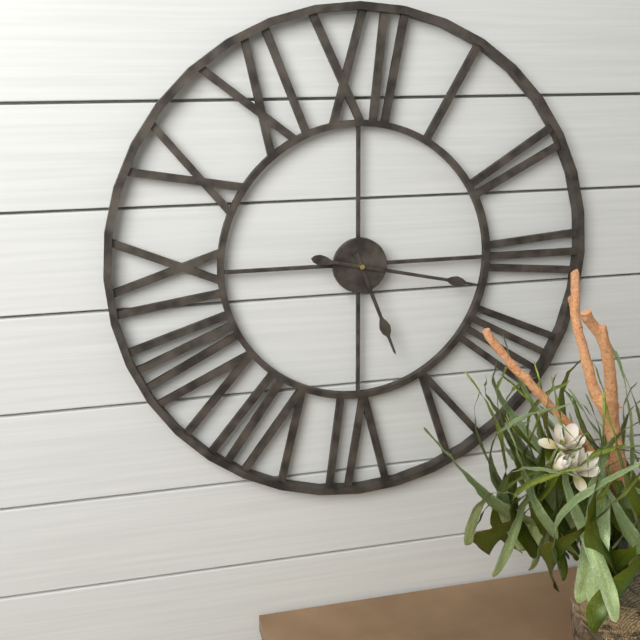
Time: **5:17**
